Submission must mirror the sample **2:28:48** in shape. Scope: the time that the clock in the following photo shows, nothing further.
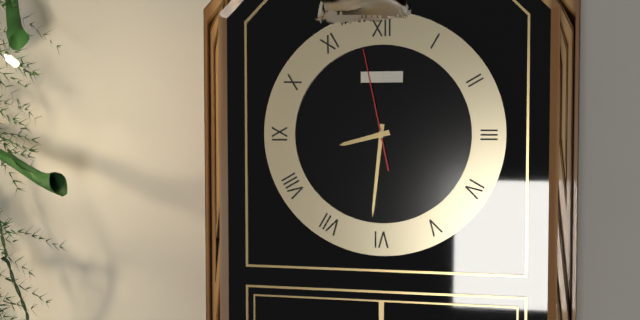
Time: **8:31:58**
